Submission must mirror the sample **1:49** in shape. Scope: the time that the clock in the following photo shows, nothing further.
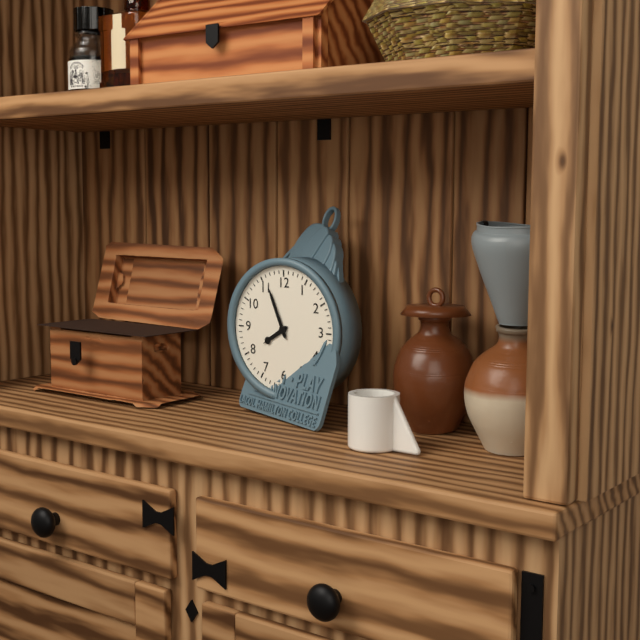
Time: **7:56**
